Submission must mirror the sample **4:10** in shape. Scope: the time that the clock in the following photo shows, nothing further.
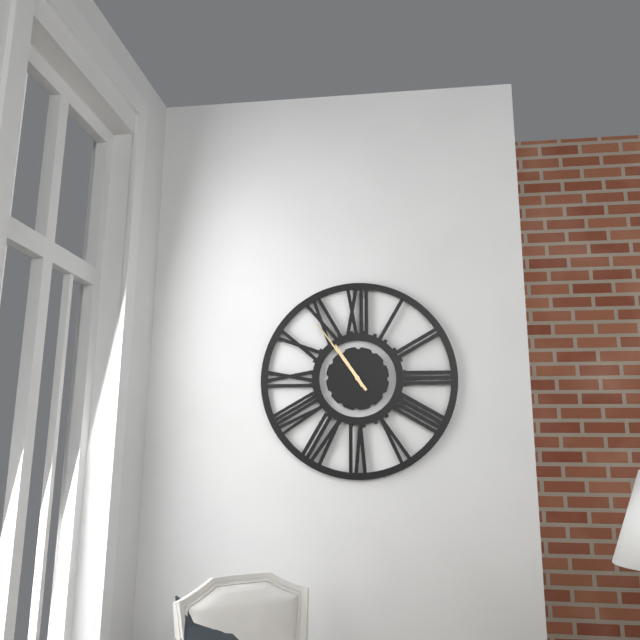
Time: **10:54**
